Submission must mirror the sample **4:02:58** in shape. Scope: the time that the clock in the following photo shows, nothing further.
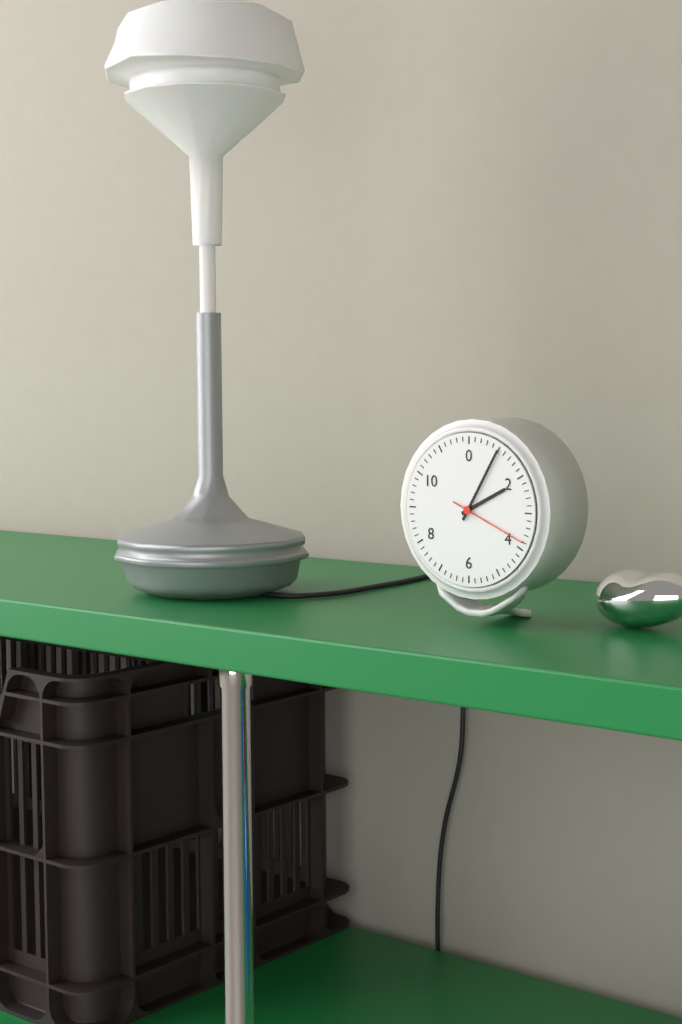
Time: **2:05:19**
